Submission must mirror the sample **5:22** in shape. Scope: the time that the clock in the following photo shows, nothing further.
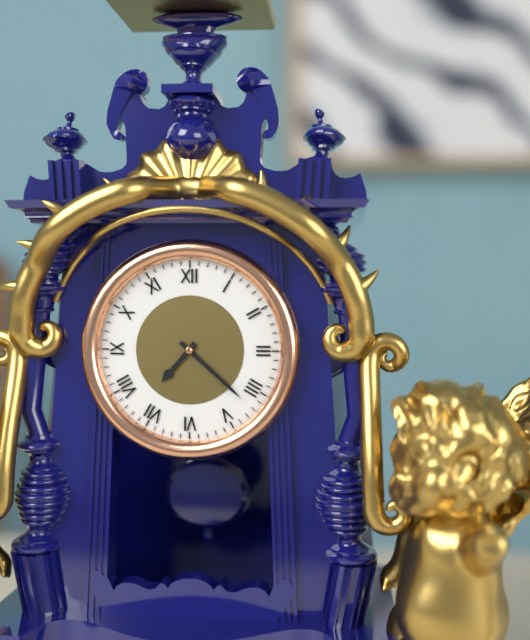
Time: **7:22**
